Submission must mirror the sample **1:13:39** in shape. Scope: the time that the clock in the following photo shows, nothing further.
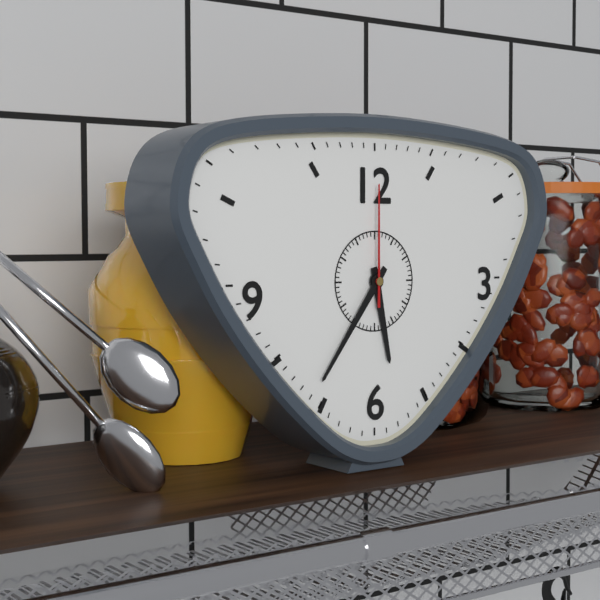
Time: **5:36:00**
